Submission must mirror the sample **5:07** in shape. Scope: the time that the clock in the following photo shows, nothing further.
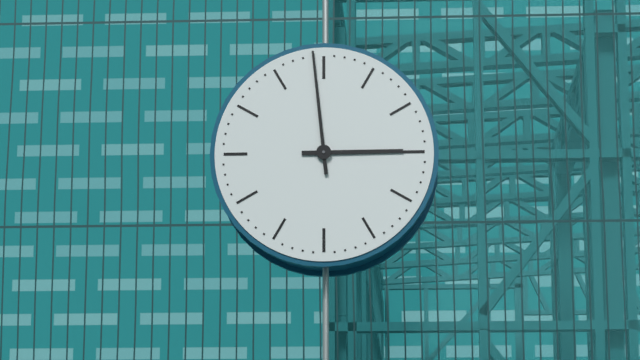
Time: **2:59**
